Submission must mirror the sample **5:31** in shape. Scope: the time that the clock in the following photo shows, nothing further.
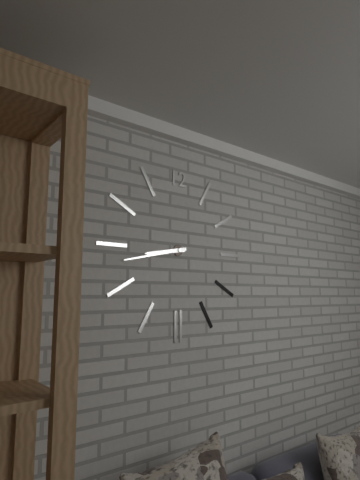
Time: **8:43**
